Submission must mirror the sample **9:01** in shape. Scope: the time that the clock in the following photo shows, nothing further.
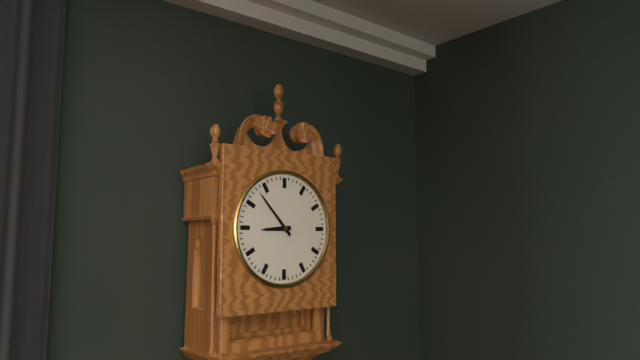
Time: **8:53**
